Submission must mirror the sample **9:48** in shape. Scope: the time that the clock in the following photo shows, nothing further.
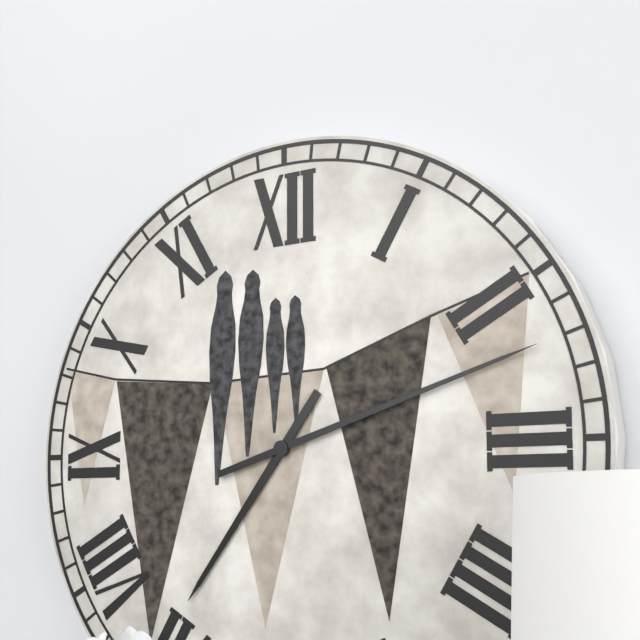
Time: **7:12**
